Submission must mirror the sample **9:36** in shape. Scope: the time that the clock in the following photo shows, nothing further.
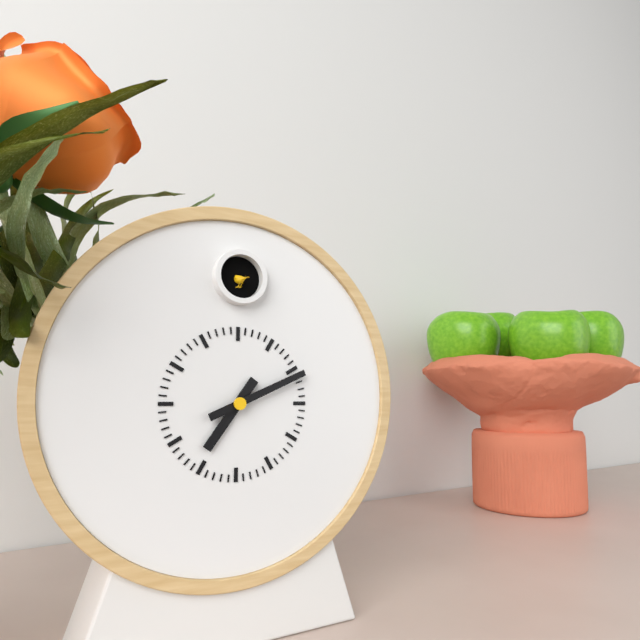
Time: **7:11**
